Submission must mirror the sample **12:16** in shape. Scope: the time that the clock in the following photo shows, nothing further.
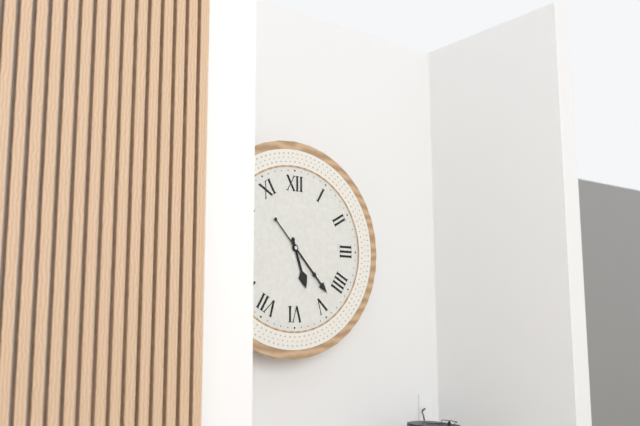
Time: **5:23**
